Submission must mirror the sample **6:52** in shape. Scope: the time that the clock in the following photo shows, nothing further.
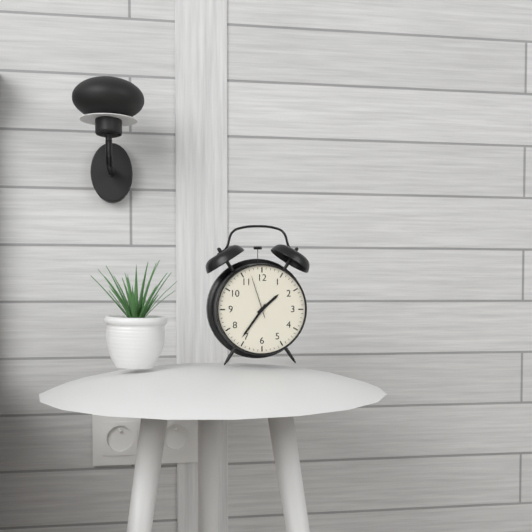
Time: **1:36**
